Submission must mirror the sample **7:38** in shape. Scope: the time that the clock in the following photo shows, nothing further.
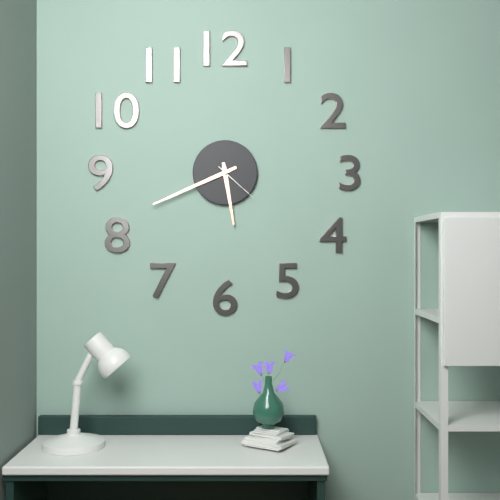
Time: **5:41**
